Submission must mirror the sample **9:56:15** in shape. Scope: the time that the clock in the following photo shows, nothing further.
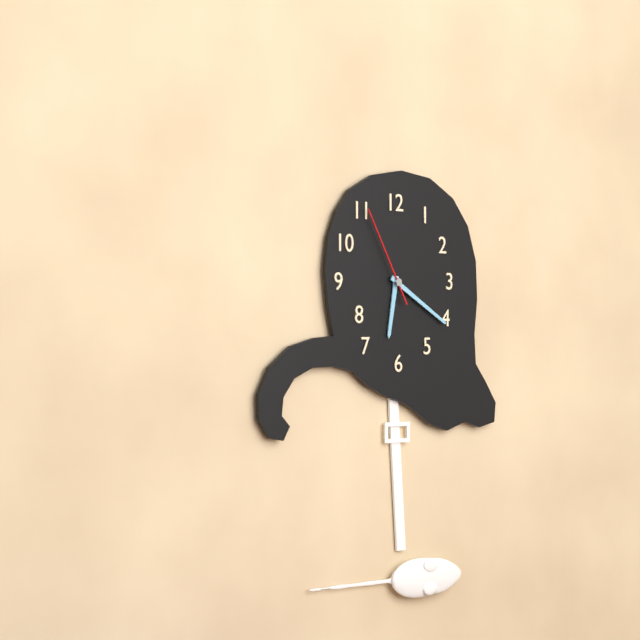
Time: **6:20:55**
